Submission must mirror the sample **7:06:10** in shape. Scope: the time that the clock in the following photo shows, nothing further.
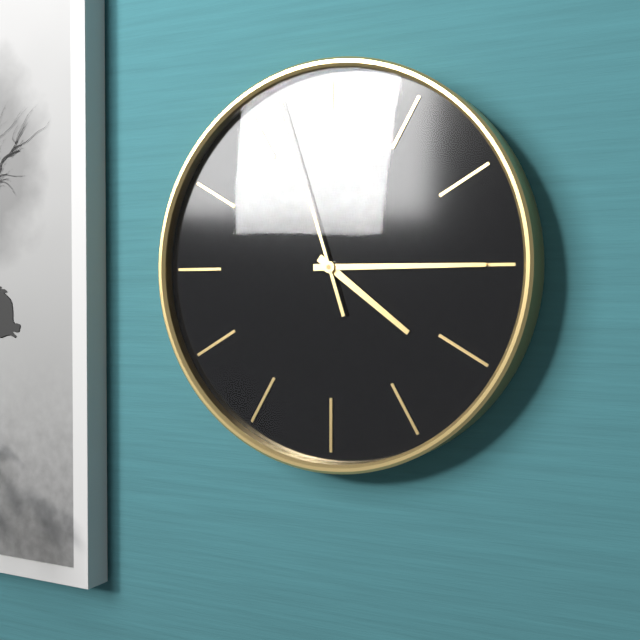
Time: **4:15:57**
